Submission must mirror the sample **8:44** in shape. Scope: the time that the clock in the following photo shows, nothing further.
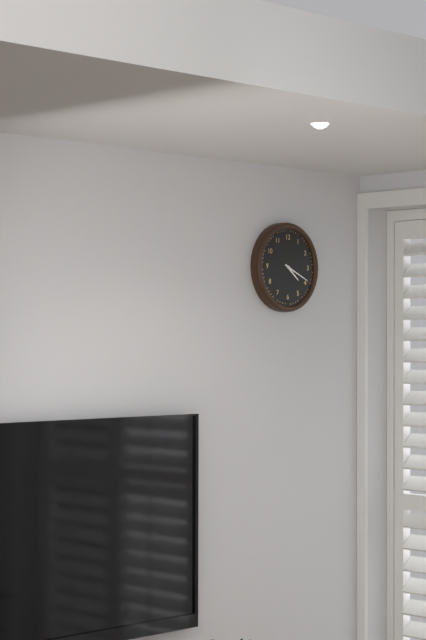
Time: **4:19**
